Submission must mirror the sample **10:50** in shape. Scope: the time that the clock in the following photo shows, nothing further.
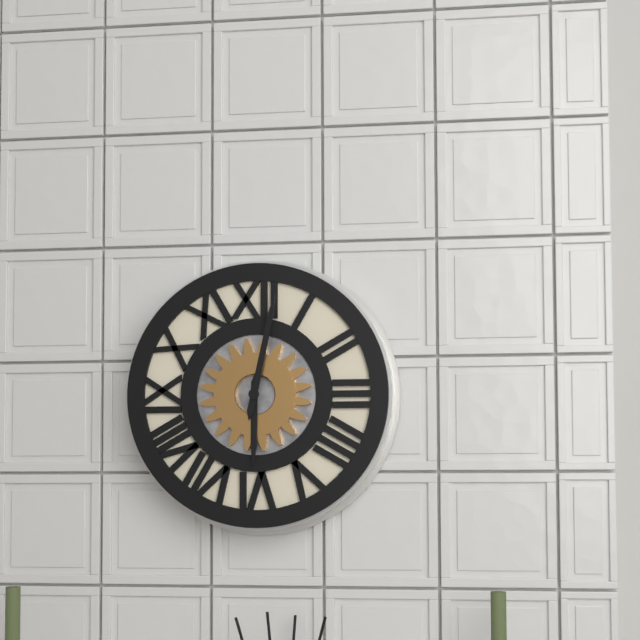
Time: **6:02**
